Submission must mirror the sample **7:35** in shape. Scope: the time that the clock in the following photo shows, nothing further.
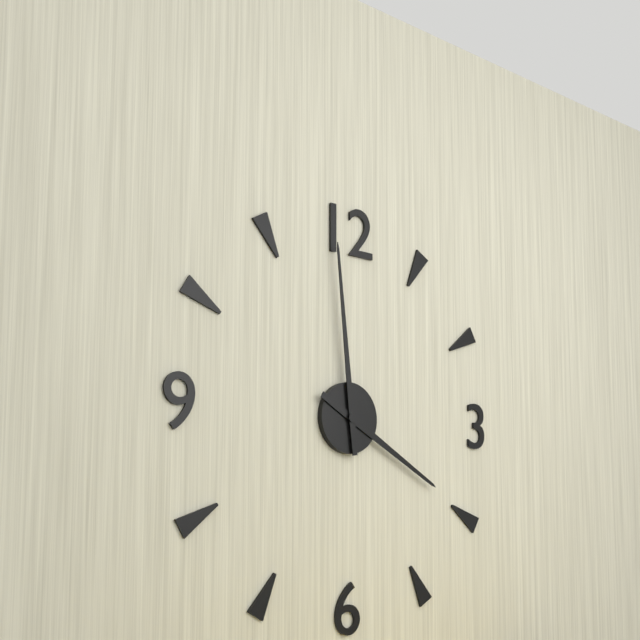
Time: **3:59**
